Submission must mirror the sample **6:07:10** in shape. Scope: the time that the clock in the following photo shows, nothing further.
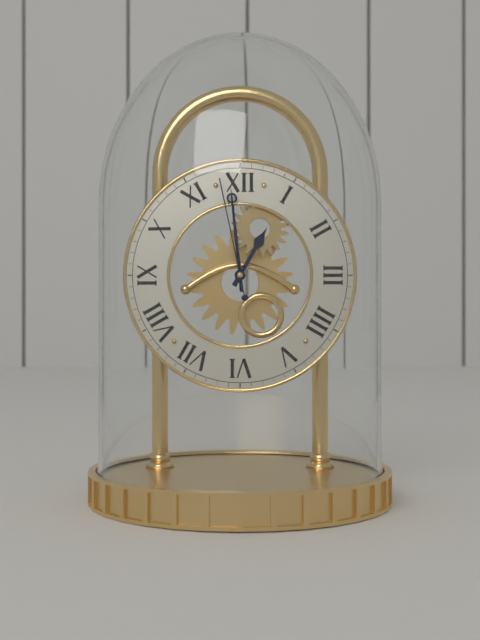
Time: **12:59:58**
